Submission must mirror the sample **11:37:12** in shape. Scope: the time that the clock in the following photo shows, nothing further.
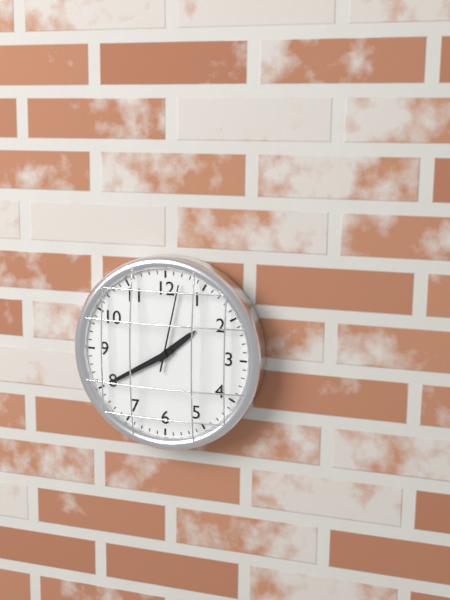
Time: **1:40:02**
